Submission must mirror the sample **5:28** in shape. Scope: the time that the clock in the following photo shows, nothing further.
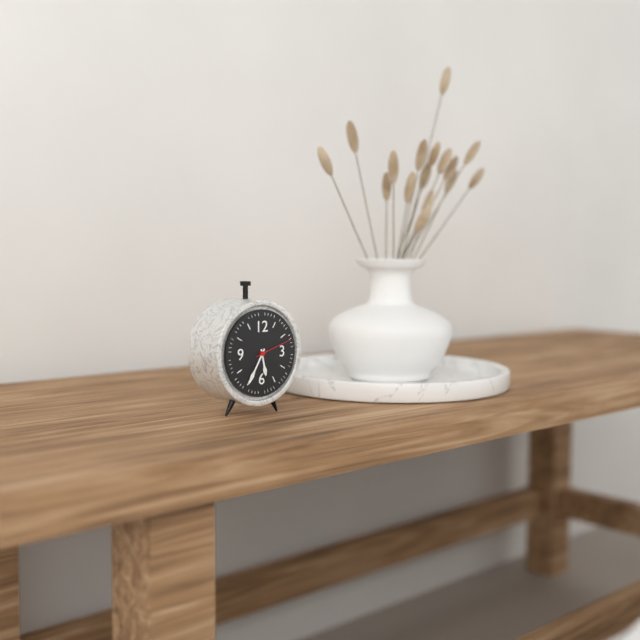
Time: **5:35**
